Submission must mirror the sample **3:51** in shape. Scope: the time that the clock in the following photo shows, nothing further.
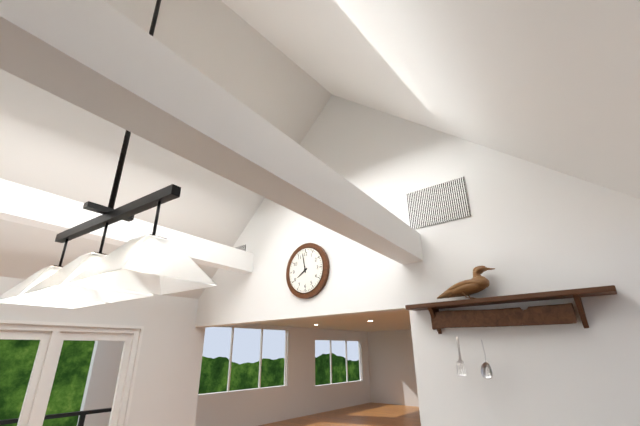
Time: **7:58**
